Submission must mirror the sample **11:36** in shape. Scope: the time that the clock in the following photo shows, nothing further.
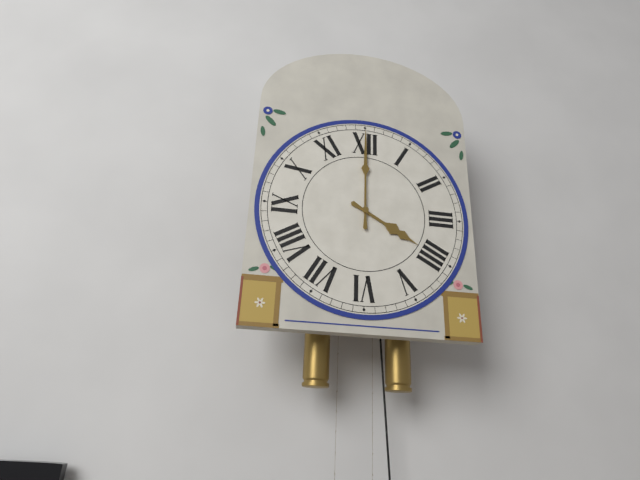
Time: **4:00**
